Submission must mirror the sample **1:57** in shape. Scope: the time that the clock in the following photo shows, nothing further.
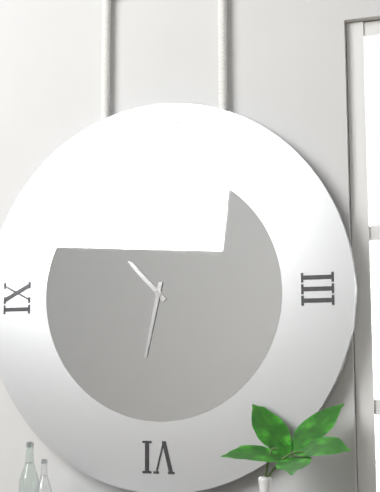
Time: **10:32**
